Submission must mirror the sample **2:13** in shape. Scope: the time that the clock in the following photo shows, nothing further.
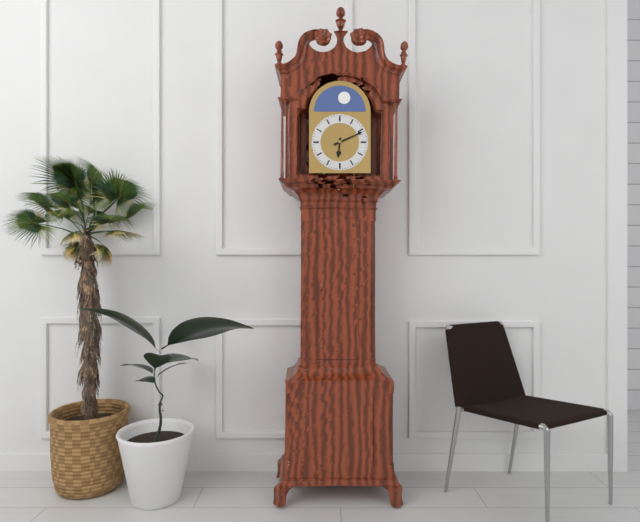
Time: **6:11**
